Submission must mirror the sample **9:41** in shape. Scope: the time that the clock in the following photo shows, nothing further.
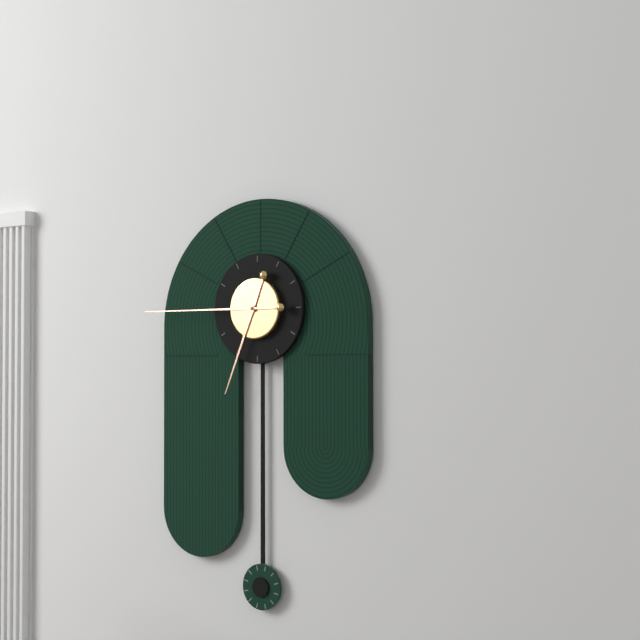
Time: **6:45**
